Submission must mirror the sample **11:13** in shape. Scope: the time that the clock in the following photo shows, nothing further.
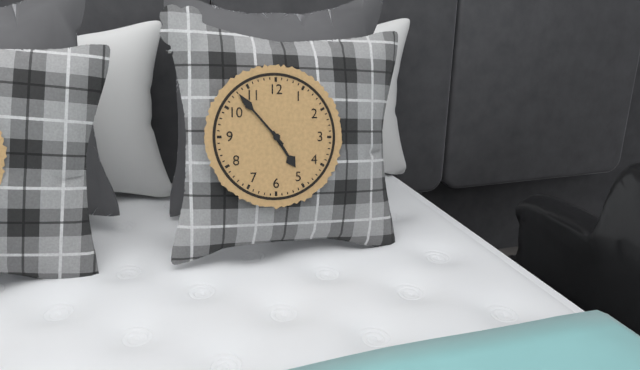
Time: **4:53**
